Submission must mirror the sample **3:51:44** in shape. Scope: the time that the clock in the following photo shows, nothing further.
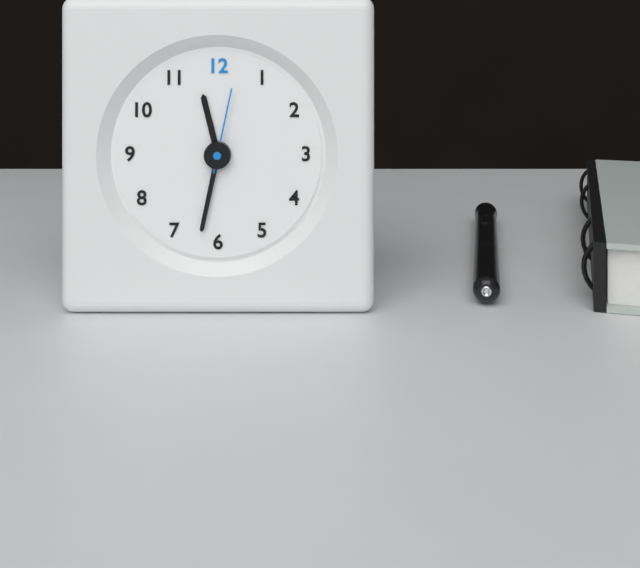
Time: **11:32:02**
